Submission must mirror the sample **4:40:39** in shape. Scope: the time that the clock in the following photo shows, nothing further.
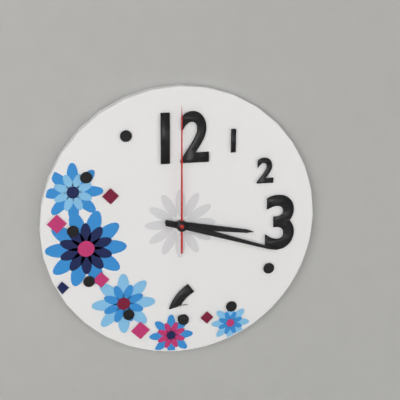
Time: **3:18:00**
